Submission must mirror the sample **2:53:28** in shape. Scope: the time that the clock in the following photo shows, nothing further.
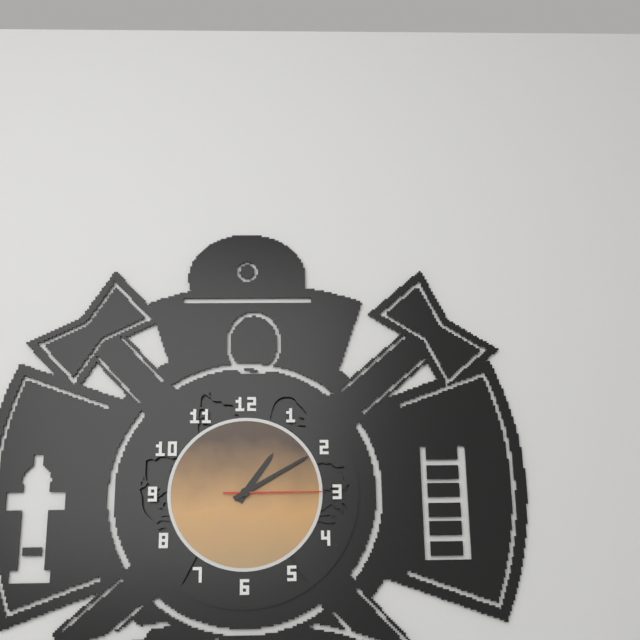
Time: **1:10:15**
